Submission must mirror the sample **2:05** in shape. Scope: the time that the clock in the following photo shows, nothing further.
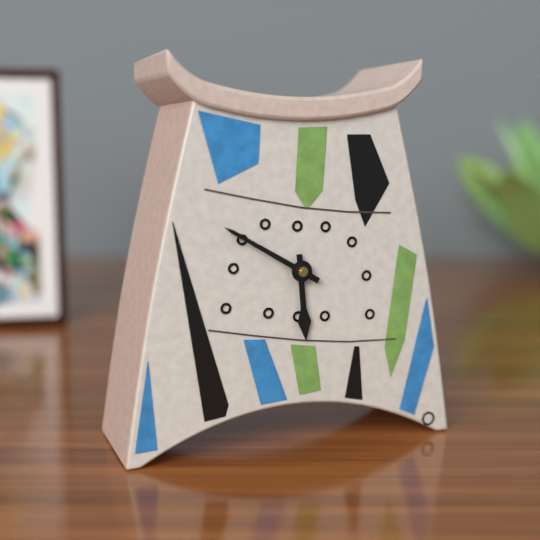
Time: **5:50**
